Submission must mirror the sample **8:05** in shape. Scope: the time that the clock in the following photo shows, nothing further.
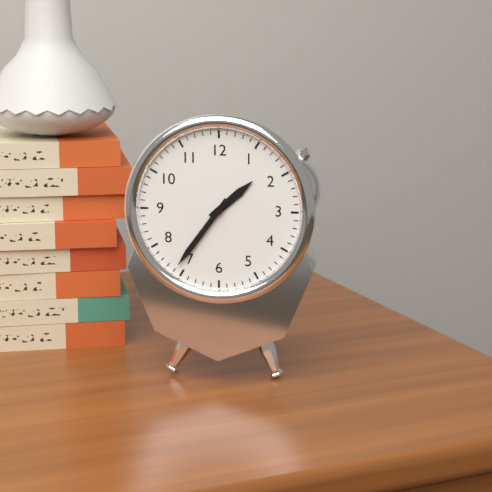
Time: **1:36**
